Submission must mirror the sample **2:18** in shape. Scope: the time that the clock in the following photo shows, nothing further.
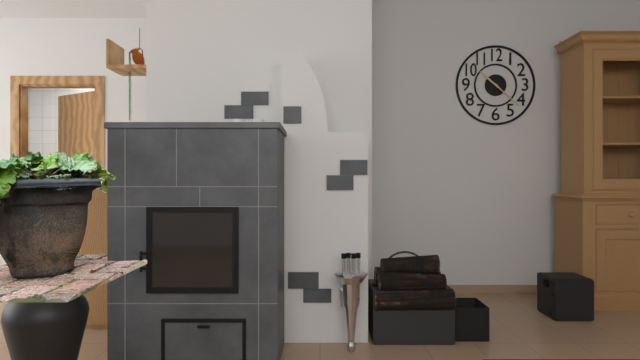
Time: **10:22**
